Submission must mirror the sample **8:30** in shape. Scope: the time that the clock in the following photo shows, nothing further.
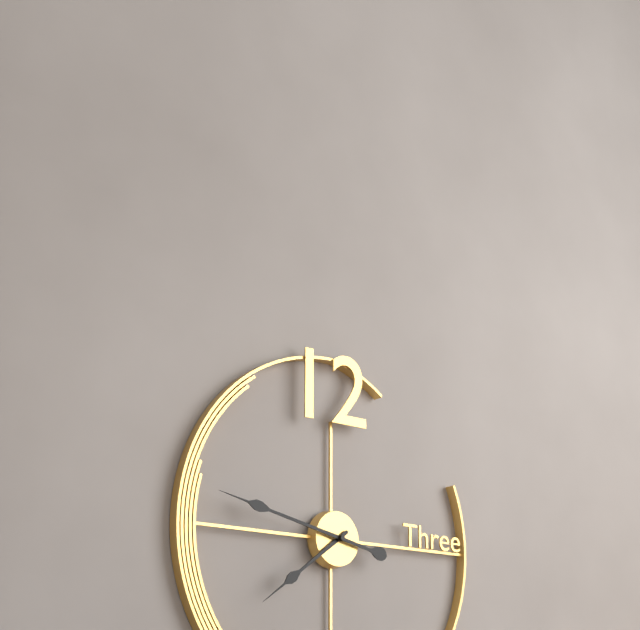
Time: **7:47**
